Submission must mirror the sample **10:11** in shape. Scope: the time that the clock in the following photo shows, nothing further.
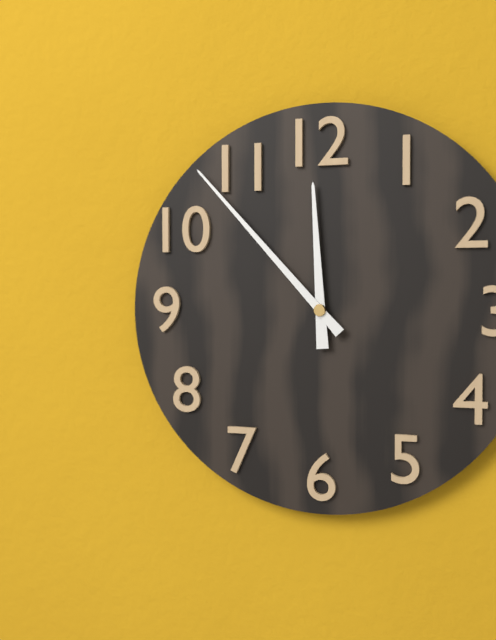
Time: **11:53**
